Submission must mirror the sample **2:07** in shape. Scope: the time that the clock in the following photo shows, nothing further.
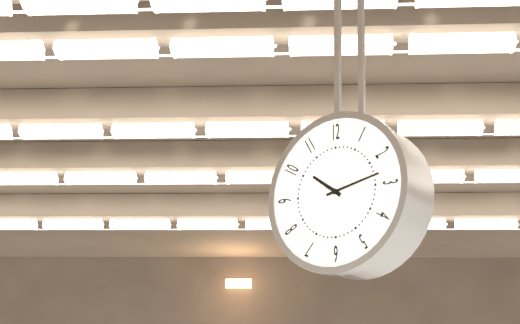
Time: **10:13**
